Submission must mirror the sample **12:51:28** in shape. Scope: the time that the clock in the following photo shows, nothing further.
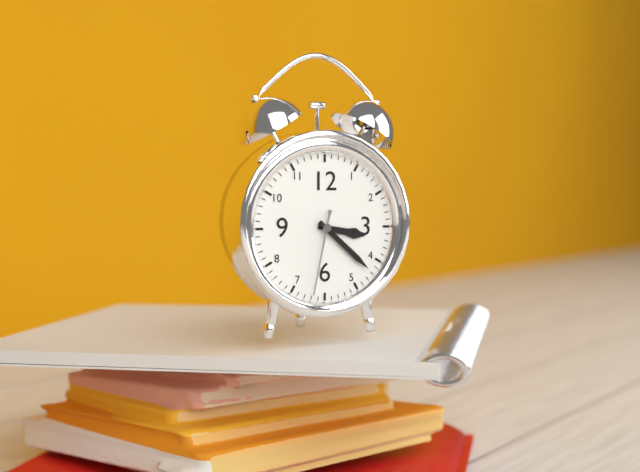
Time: **3:22:32**
